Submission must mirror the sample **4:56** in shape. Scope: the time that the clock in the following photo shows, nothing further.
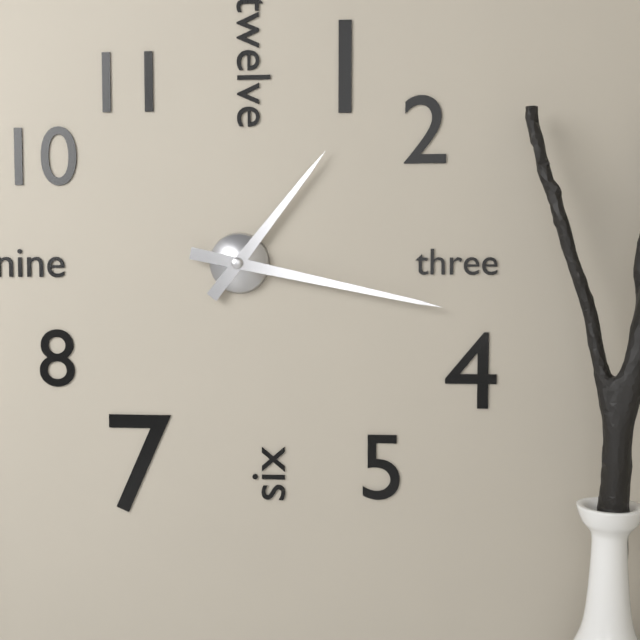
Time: **1:17**
